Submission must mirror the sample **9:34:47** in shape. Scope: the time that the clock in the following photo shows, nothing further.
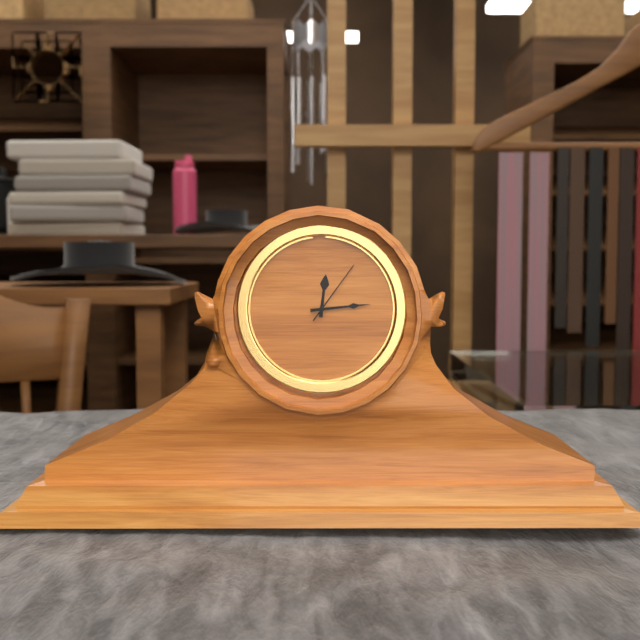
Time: **12:14:06**
